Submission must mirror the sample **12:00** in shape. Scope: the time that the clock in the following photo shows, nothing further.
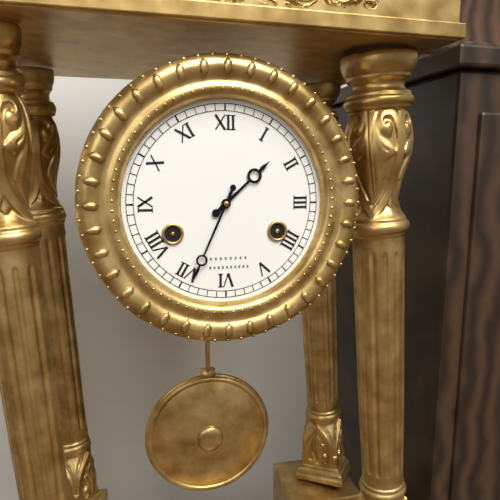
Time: **1:34**
